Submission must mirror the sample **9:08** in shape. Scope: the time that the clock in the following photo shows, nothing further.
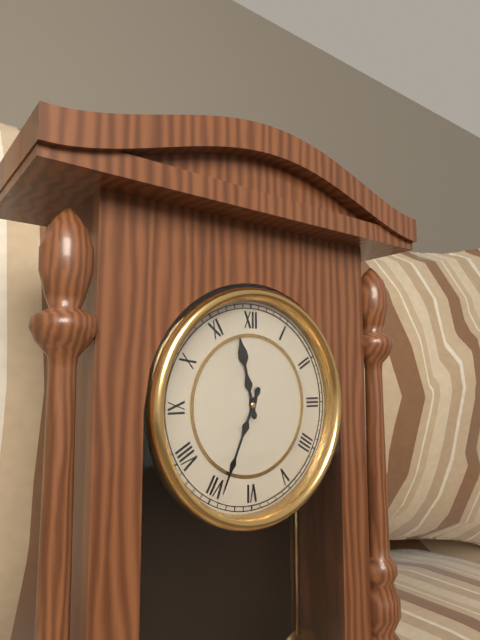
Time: **11:34**
